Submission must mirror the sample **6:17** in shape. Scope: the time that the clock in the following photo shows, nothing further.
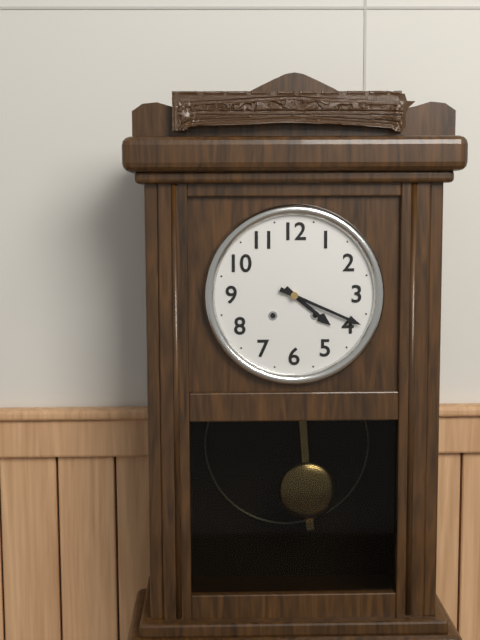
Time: **4:19**
